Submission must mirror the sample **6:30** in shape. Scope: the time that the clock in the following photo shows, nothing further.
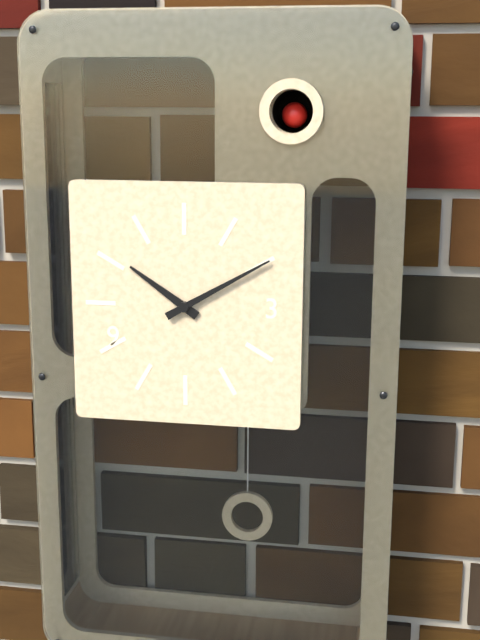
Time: **10:10**
